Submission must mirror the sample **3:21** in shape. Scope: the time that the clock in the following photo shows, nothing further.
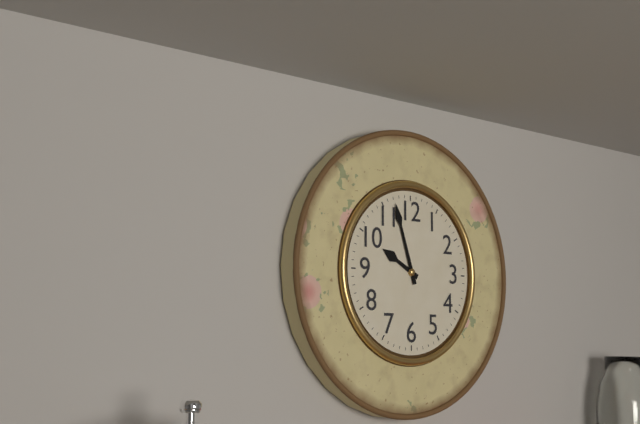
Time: **9:57**
